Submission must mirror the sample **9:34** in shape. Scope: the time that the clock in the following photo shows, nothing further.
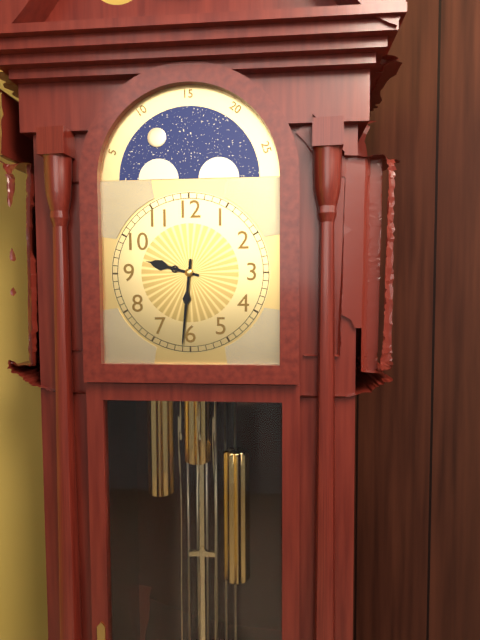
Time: **9:31**
